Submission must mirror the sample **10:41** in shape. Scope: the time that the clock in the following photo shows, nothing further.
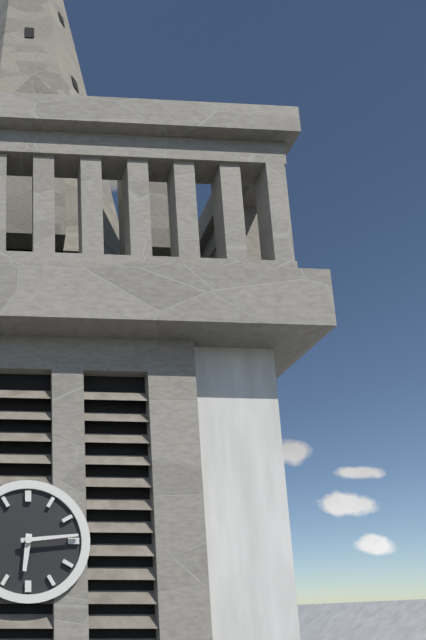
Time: **6:14**
